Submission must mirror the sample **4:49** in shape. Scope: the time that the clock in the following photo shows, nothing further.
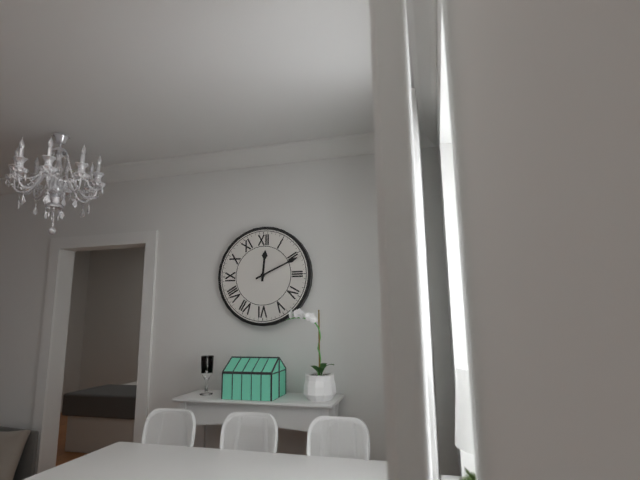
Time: **12:11**
